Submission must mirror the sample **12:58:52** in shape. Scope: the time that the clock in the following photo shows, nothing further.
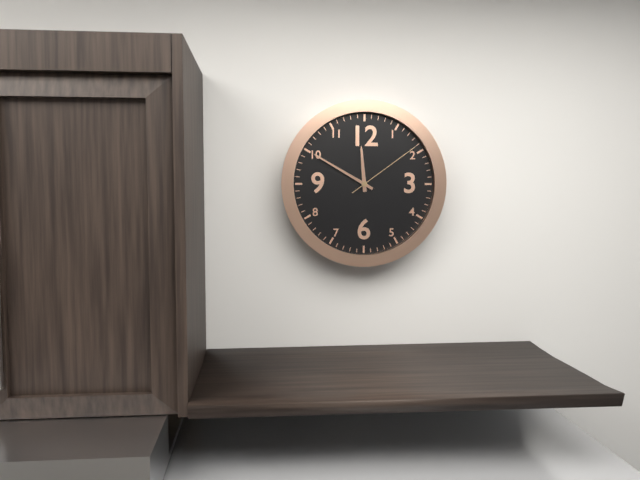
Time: **11:50:09**
